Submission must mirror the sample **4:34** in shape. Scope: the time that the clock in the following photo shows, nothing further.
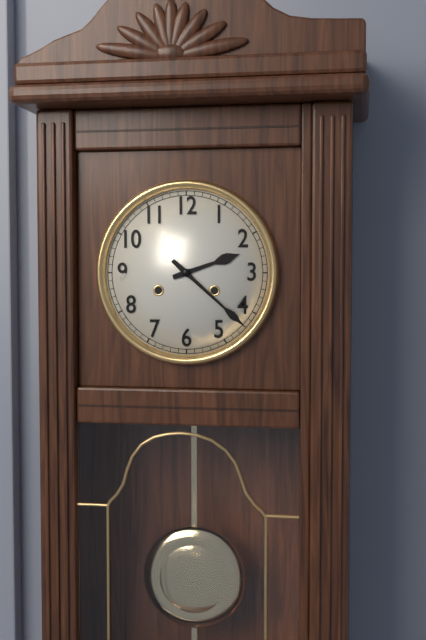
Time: **2:22**
